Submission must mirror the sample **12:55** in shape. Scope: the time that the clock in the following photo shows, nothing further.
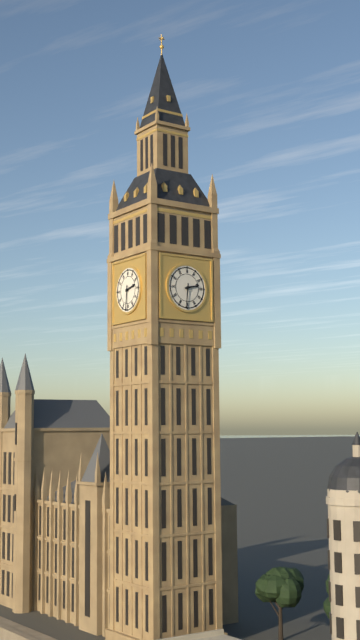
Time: **2:31**
